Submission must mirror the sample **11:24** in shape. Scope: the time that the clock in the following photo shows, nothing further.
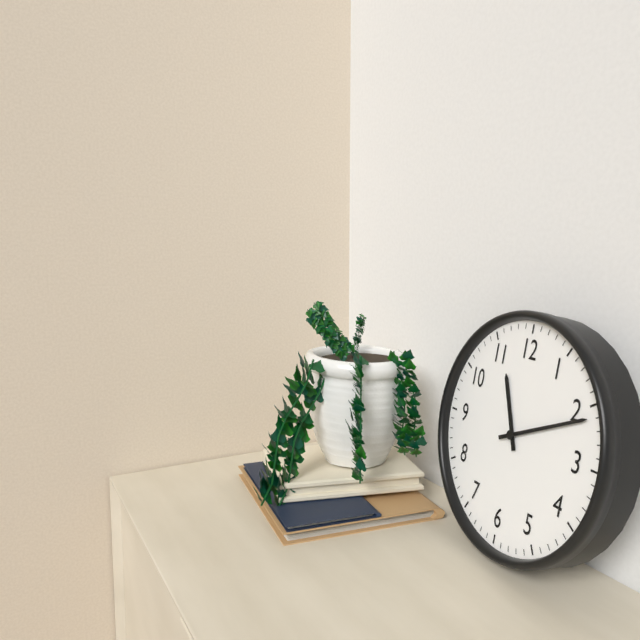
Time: **11:11**
